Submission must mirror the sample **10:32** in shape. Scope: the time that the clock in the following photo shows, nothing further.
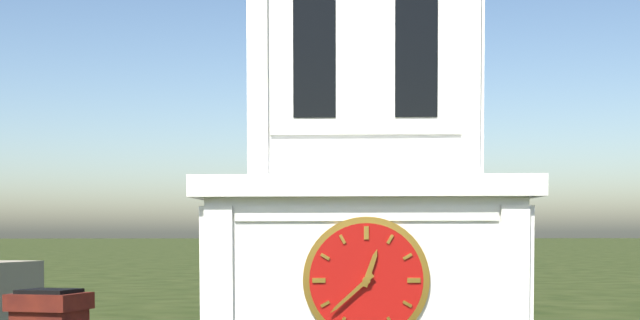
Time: **12:38**
